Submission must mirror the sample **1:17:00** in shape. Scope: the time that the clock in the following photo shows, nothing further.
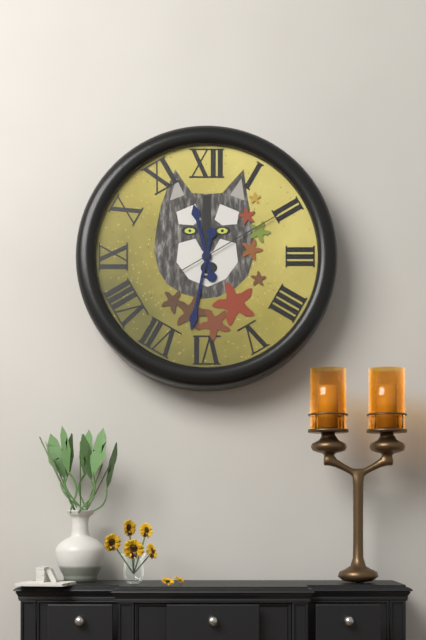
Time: **11:32:10**
